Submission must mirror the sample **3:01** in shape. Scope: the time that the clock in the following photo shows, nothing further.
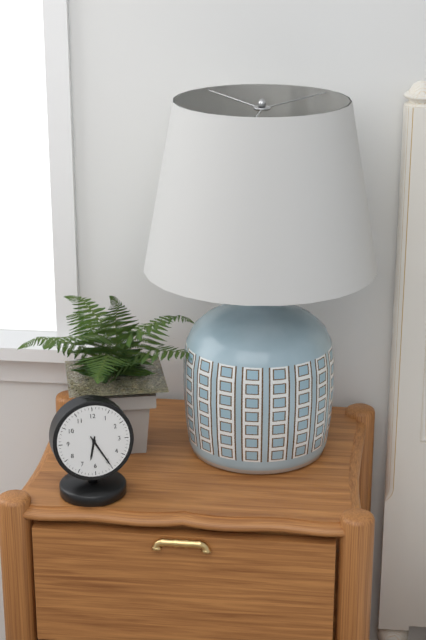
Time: **6:25**
